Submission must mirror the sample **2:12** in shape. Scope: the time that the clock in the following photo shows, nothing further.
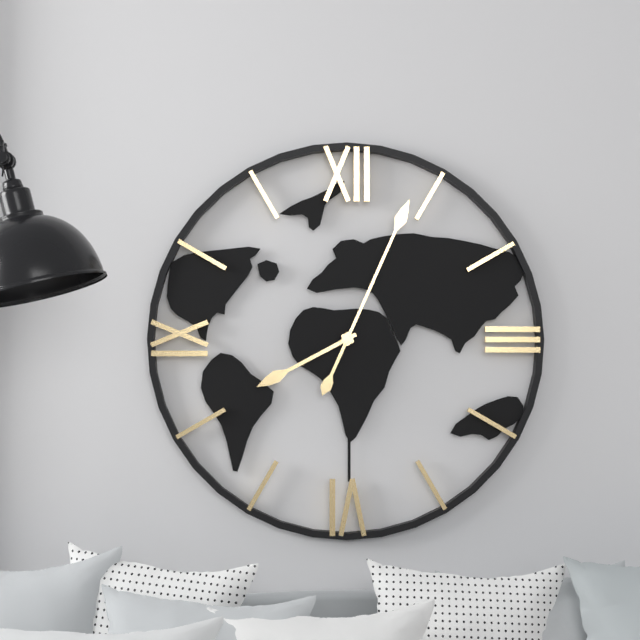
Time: **8:04**
